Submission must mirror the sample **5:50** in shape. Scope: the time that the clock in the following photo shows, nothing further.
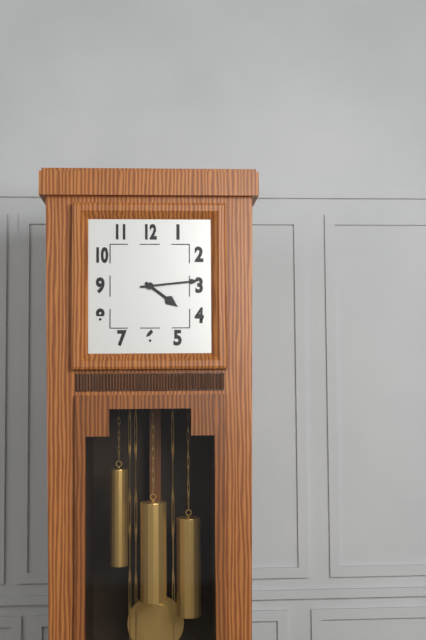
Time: **4:14**
